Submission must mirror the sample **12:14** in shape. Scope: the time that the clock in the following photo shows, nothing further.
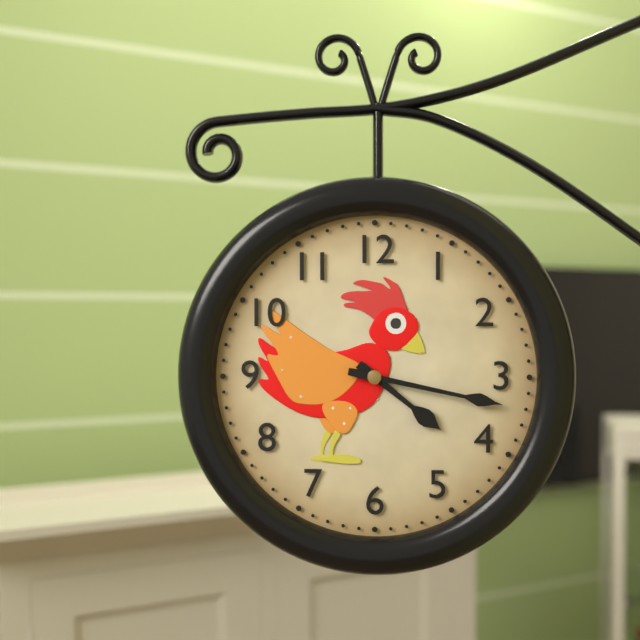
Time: **4:17**
